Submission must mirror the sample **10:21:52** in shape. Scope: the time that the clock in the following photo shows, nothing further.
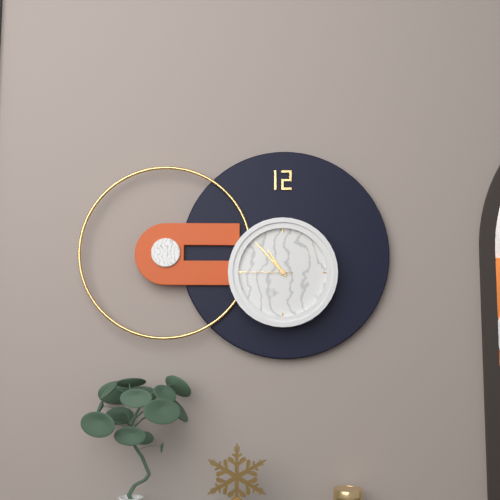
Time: **10:53:45**
